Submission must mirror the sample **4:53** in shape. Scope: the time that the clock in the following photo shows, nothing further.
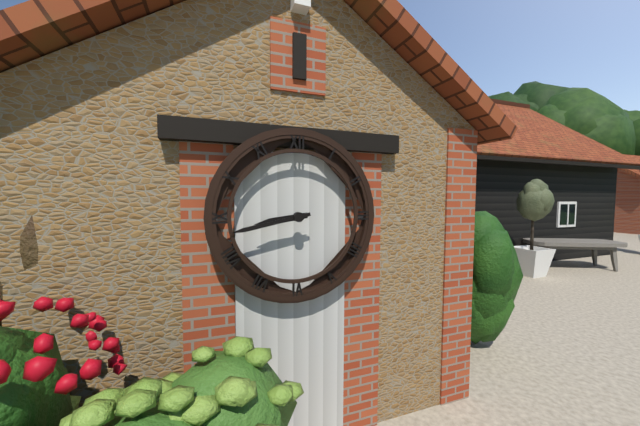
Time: **8:43**
